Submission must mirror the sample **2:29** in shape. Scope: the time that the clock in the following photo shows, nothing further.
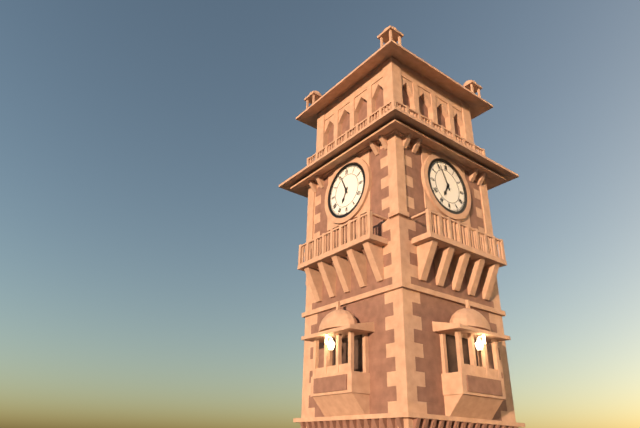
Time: **6:56**
